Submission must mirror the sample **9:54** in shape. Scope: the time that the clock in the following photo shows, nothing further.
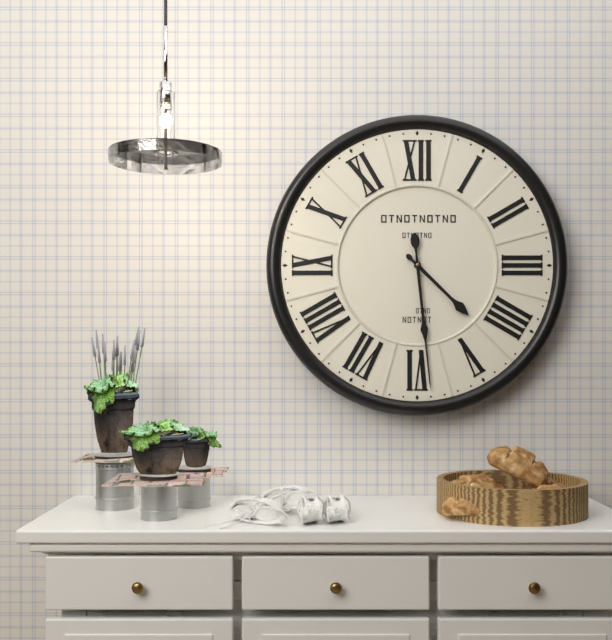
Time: **4:29**
